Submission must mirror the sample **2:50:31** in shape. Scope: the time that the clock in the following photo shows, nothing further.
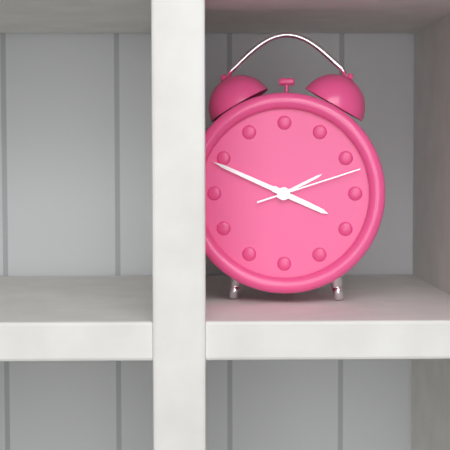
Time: **3:49:12**
